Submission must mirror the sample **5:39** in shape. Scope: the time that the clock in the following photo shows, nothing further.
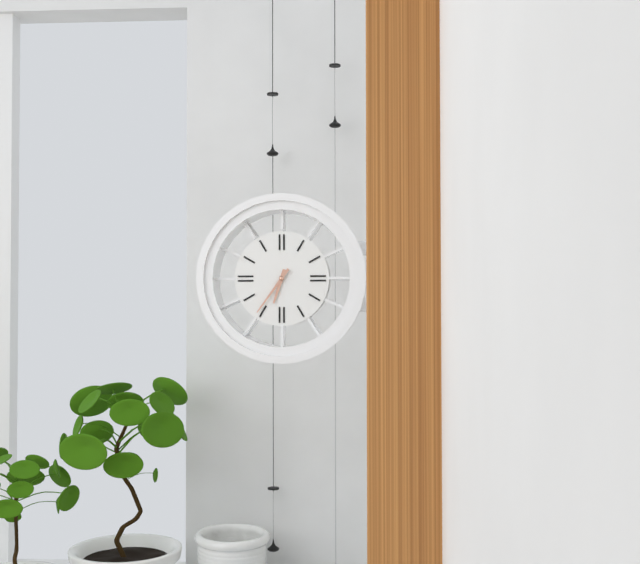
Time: **6:36**
